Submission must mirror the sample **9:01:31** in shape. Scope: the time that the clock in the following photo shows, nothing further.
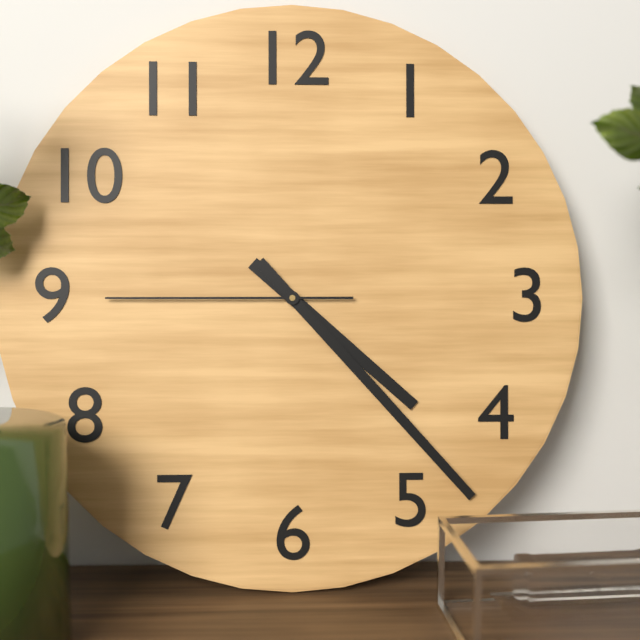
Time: **4:23:45**
